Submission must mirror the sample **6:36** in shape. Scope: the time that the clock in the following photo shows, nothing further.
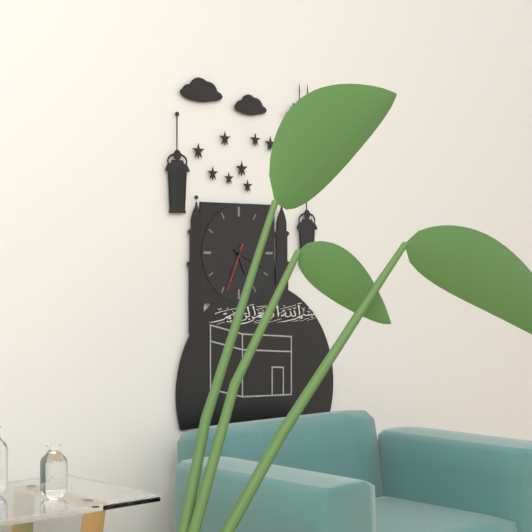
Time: **5:19**
